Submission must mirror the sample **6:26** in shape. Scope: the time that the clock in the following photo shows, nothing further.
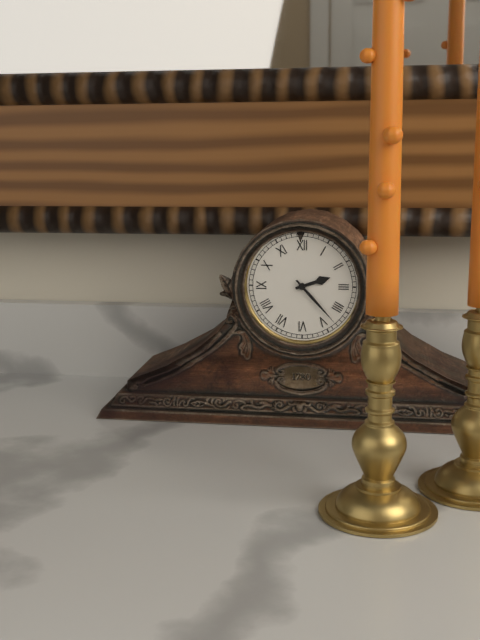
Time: **2:23**
